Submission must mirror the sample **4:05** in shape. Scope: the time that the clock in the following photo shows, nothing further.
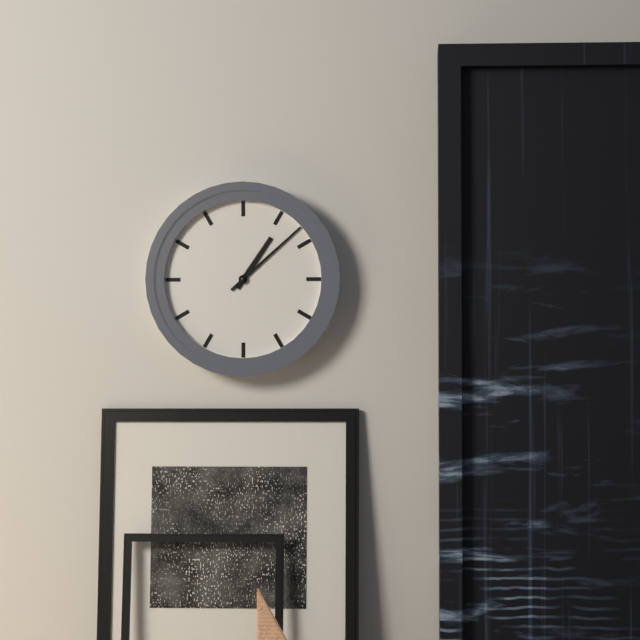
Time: **1:08**
